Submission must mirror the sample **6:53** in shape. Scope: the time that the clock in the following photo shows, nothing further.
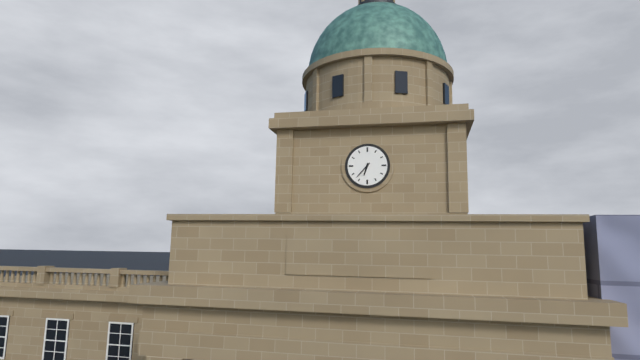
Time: **6:37**
